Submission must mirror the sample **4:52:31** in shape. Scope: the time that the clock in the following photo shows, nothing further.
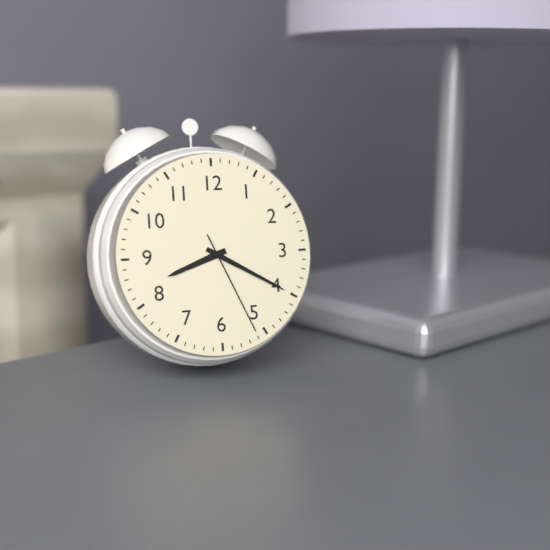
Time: **8:20:26**
